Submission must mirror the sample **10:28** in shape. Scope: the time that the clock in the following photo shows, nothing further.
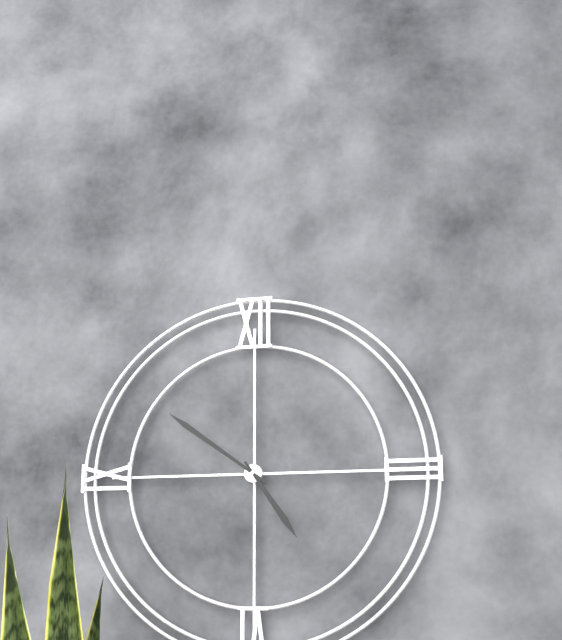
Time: **4:51**
